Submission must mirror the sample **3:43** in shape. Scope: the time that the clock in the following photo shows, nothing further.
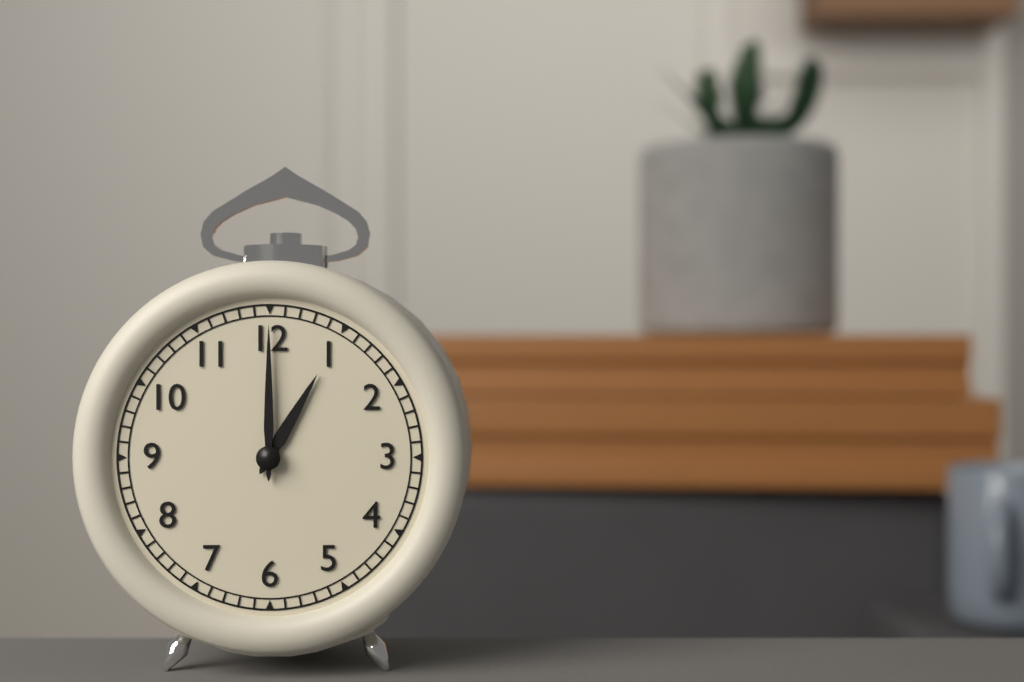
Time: **1:00**
